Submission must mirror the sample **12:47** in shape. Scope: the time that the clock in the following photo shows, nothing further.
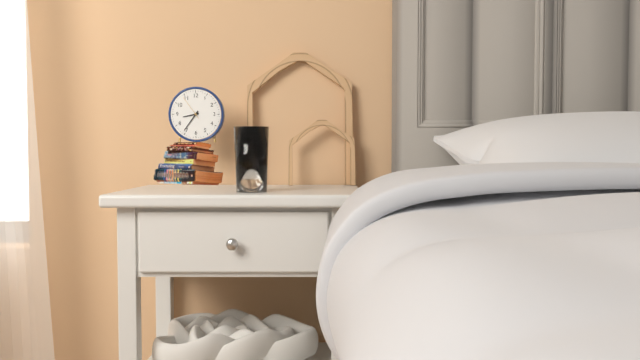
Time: **8:36**
